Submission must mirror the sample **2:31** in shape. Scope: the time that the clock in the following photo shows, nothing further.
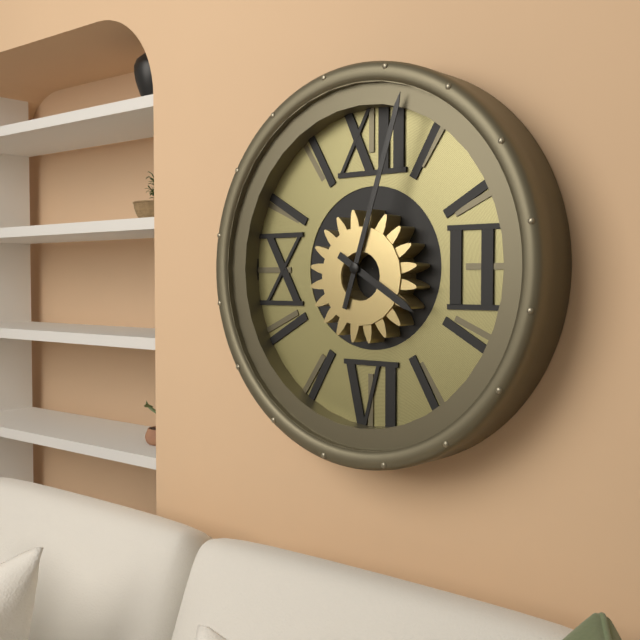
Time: **4:03**
